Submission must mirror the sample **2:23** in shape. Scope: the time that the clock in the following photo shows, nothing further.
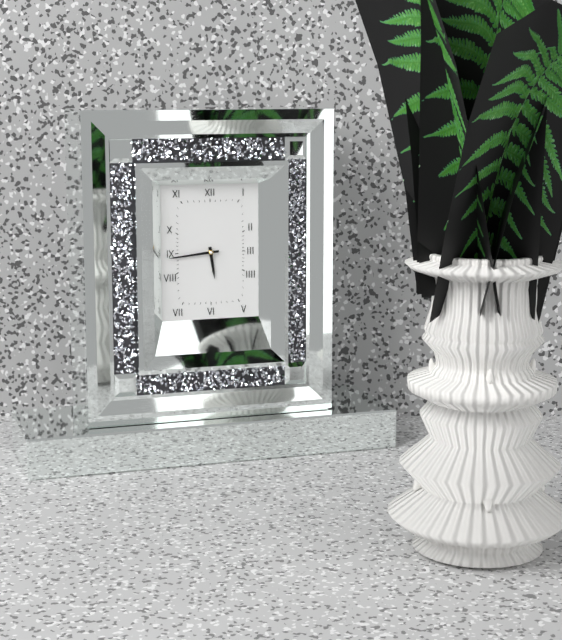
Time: **5:44**
